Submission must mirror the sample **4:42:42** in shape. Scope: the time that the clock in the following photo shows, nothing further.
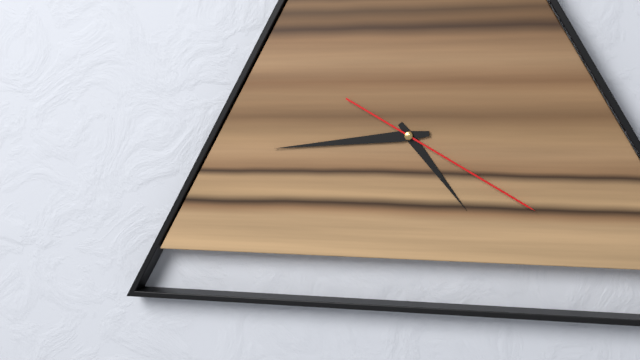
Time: **4:44:20**
